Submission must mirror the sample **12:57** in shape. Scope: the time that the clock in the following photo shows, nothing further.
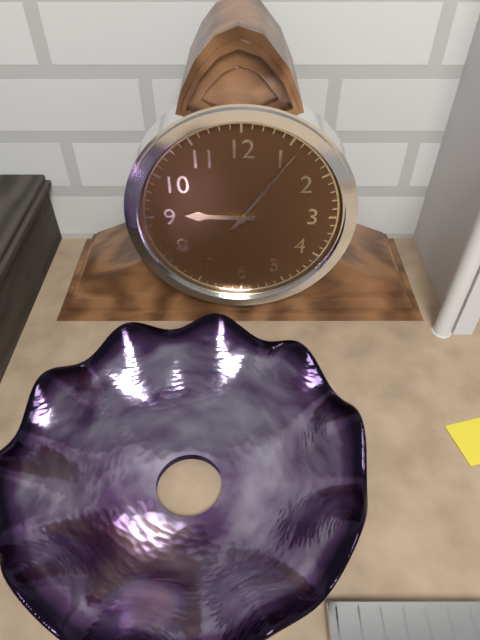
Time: **9:06**
